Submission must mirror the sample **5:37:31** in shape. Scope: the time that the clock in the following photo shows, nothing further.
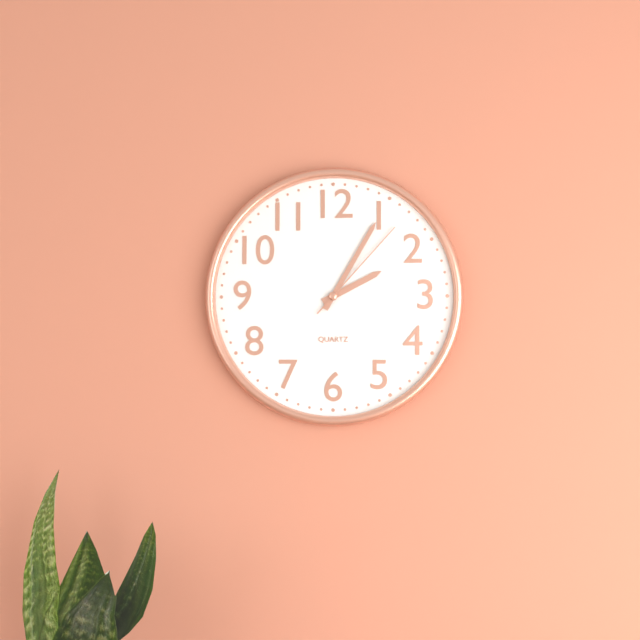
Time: **2:05:07**
